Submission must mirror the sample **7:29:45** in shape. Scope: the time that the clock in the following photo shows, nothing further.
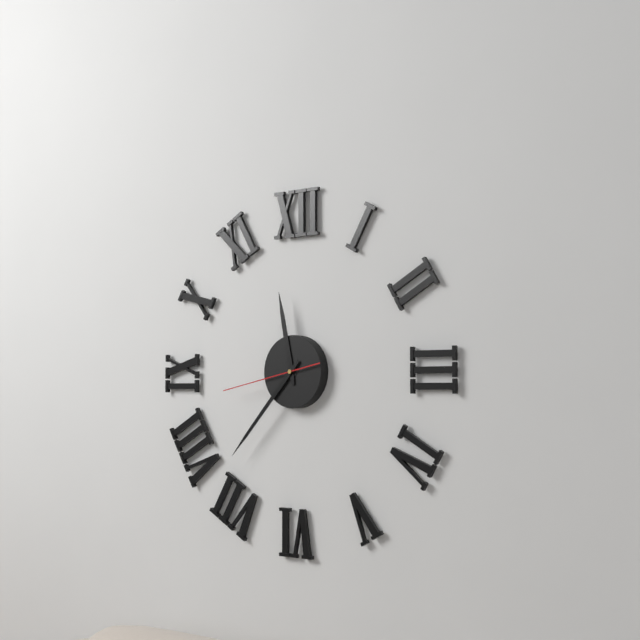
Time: **11:37:43**
